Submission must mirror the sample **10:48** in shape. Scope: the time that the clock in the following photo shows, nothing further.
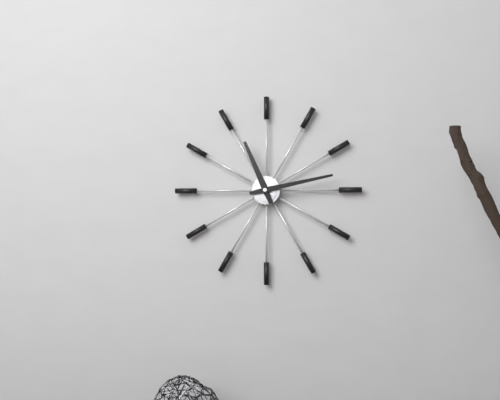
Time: **11:13**
